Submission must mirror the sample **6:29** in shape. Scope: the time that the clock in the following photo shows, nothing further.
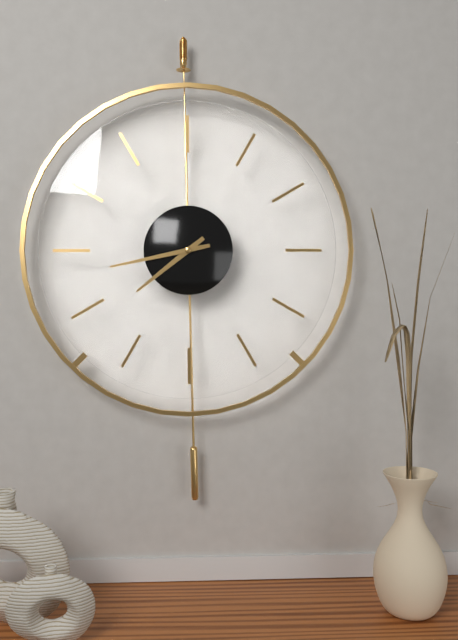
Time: **7:43**
